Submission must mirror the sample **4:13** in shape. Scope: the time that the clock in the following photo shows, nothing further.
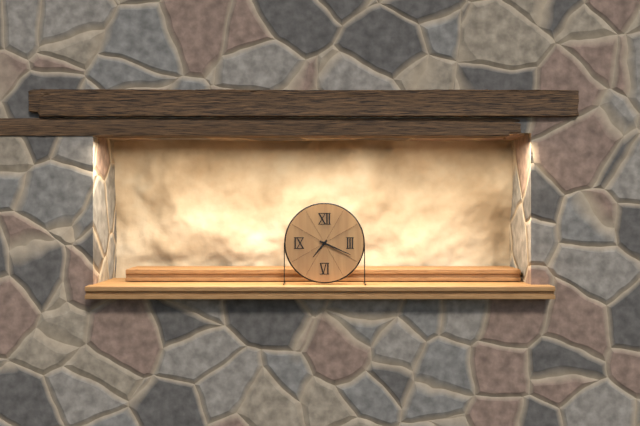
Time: **7:19**
